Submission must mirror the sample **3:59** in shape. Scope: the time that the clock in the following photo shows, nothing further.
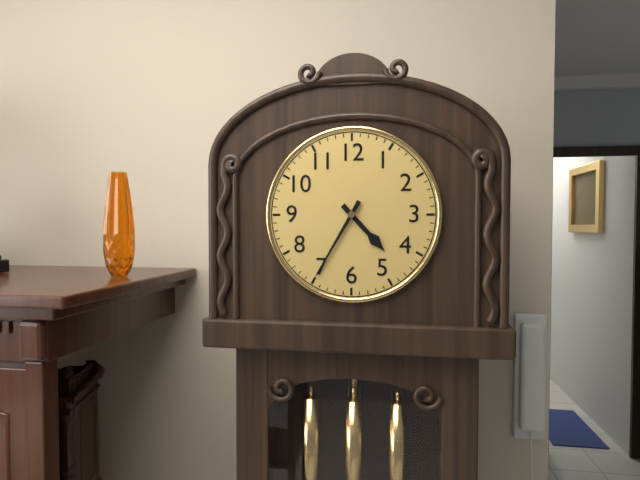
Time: **4:35**
